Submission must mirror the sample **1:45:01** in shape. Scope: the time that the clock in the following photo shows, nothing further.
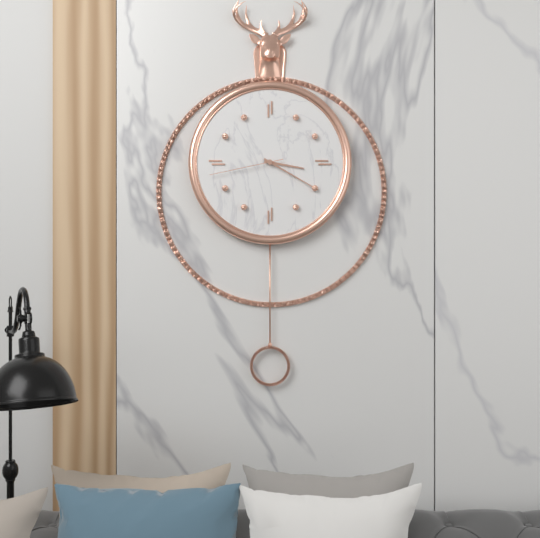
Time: **3:20:43**
